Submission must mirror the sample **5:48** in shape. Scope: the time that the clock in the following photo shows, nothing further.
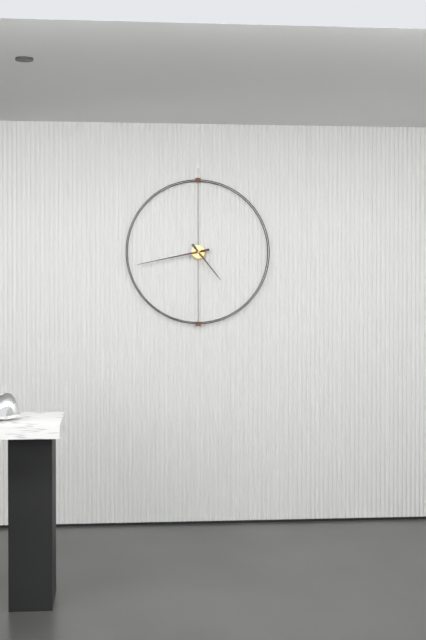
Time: **4:43**
